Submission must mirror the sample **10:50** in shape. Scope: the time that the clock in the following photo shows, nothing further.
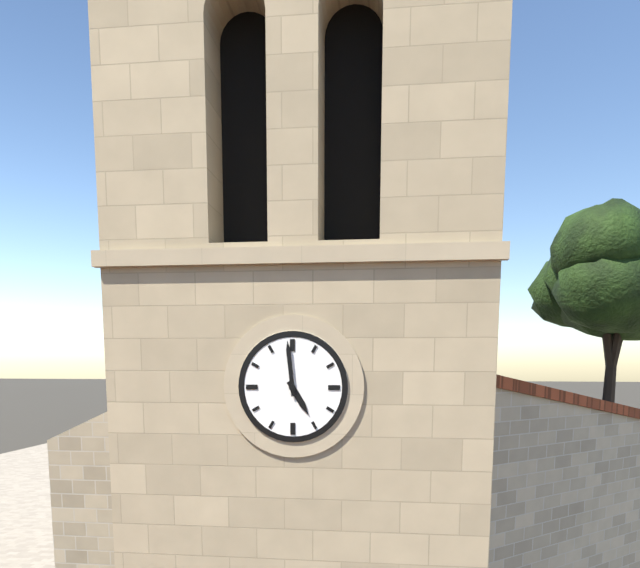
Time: **4:59**
